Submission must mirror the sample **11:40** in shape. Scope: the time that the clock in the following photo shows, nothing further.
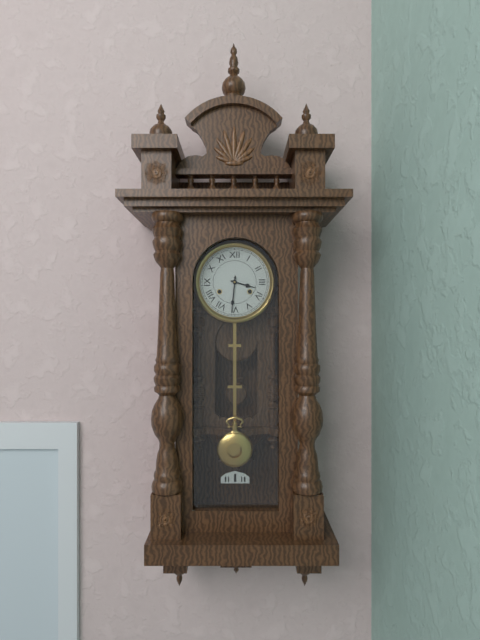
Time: **3:31**
